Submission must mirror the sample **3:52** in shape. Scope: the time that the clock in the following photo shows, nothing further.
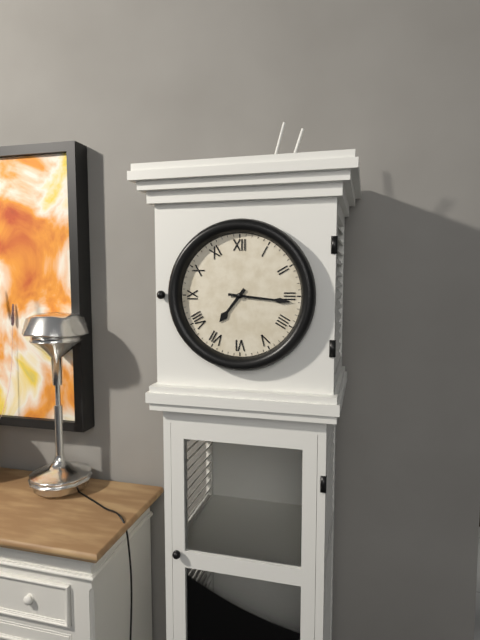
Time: **7:16**
